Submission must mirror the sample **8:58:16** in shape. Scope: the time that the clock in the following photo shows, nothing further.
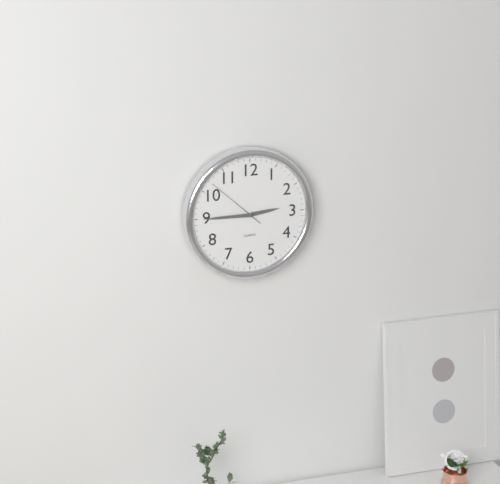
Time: **2:45:52**
